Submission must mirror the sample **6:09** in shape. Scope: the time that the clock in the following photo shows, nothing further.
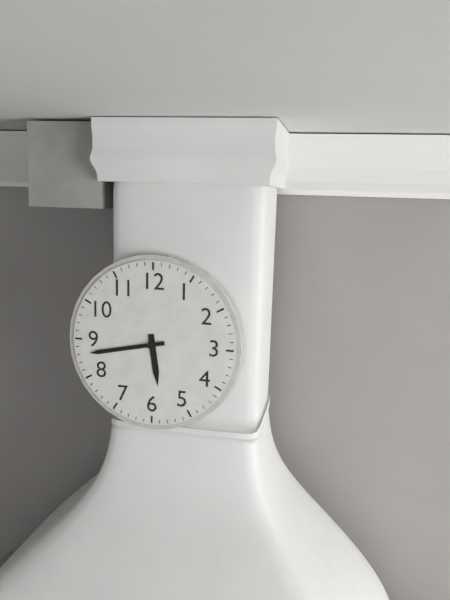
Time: **5:43**
